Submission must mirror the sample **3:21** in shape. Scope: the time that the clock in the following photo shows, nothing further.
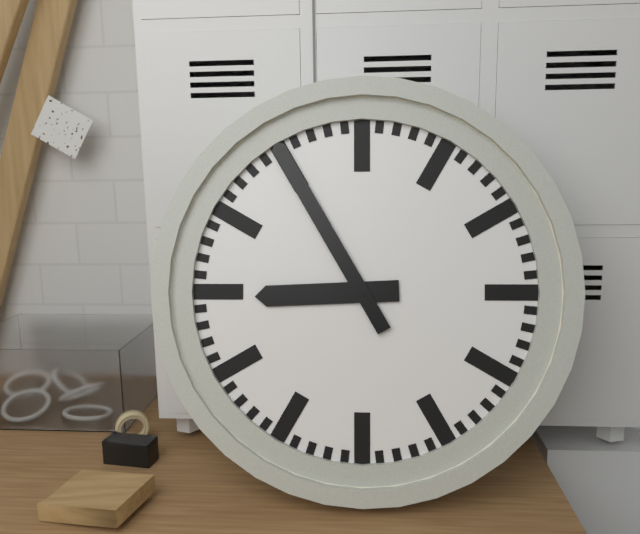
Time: **8:55**
